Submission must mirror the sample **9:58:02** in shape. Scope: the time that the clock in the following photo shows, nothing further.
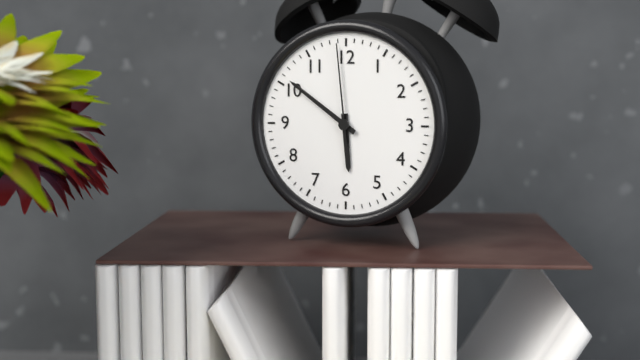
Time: **5:51:59**
